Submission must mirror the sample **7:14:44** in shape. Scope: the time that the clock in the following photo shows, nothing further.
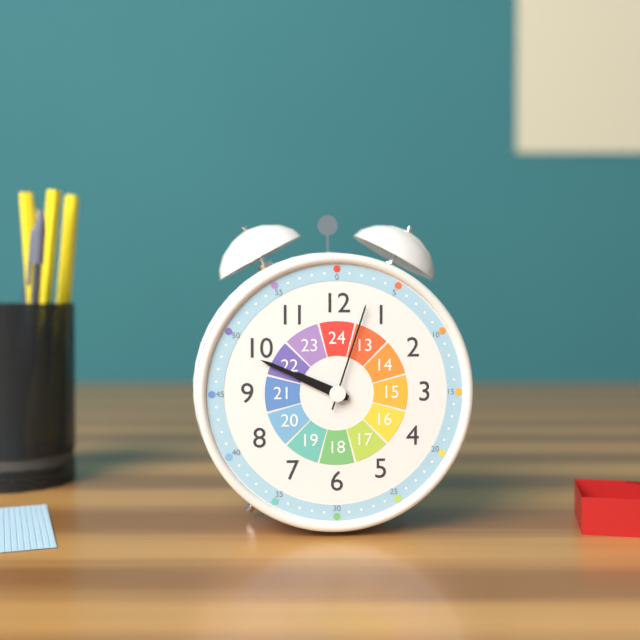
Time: **9:49:03**
